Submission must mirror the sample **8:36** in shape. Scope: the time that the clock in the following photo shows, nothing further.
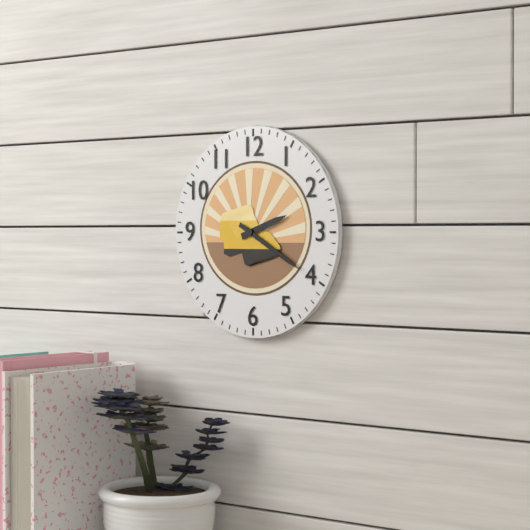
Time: **2:20**
